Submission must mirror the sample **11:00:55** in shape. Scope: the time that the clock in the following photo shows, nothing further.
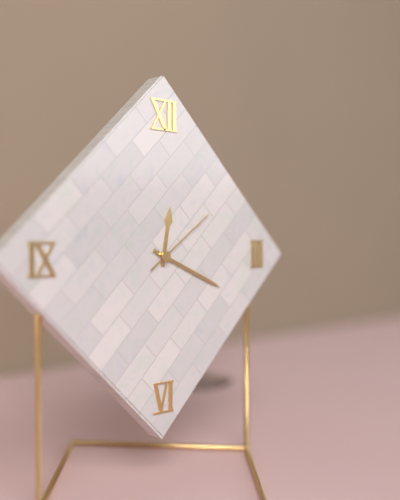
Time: **12:19:09**
